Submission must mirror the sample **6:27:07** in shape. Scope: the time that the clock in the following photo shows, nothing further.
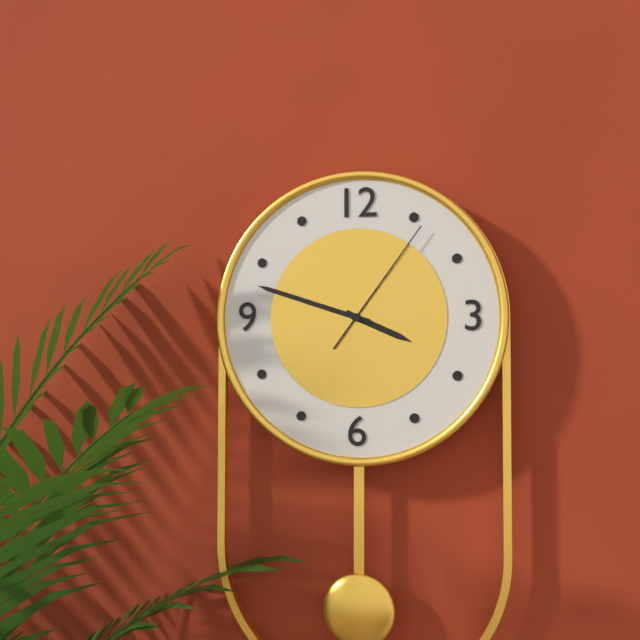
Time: **3:48:06**
